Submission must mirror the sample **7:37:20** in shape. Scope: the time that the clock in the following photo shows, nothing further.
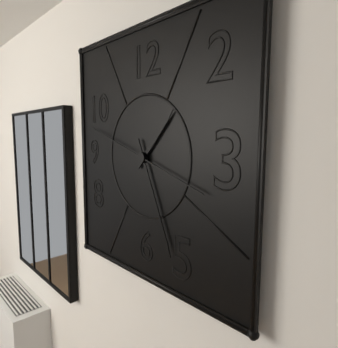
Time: **1:26:48**
